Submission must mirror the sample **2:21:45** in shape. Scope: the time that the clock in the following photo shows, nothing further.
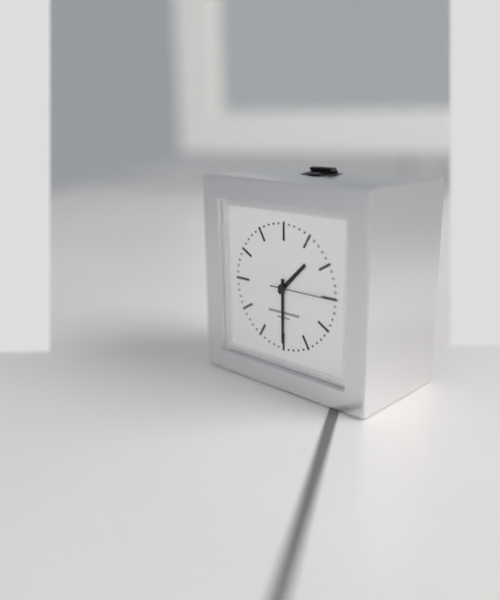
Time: **1:30:15**
